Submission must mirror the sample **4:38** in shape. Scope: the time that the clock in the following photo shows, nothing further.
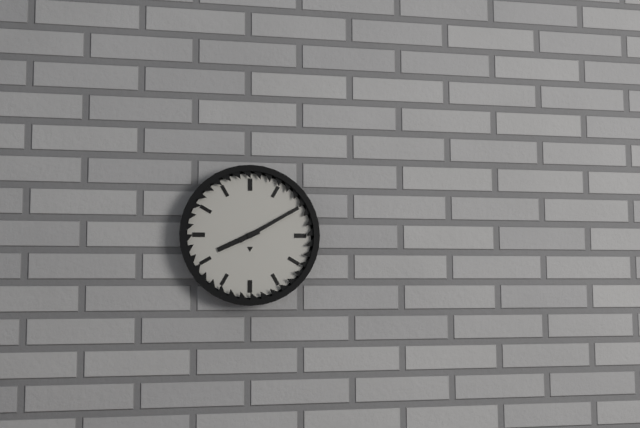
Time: **8:10**
